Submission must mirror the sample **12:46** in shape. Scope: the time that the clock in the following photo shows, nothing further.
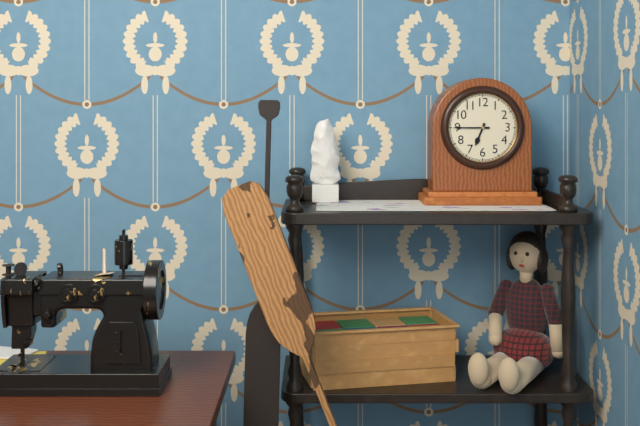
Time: **6:45**
